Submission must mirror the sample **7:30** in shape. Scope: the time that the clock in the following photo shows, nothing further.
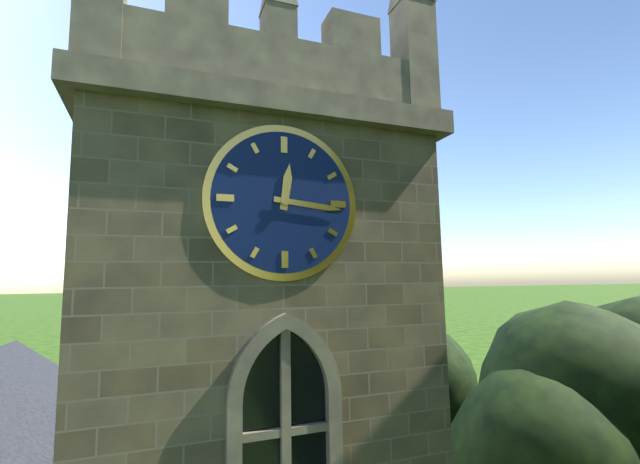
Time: **12:16**
